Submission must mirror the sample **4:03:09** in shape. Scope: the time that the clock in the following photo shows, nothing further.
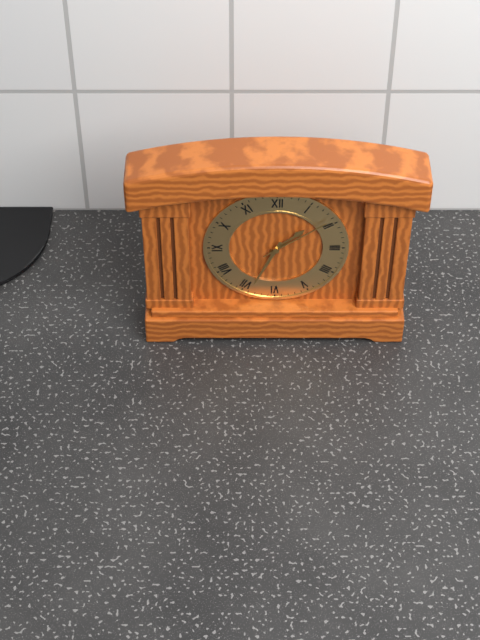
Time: **1:34:09**
